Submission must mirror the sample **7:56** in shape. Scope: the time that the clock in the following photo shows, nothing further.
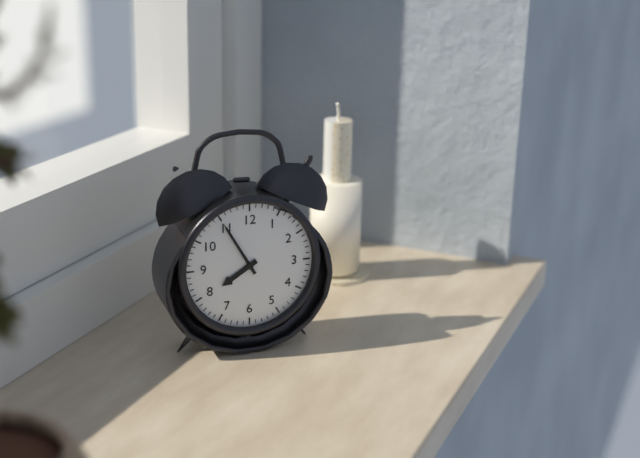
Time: **7:55**
